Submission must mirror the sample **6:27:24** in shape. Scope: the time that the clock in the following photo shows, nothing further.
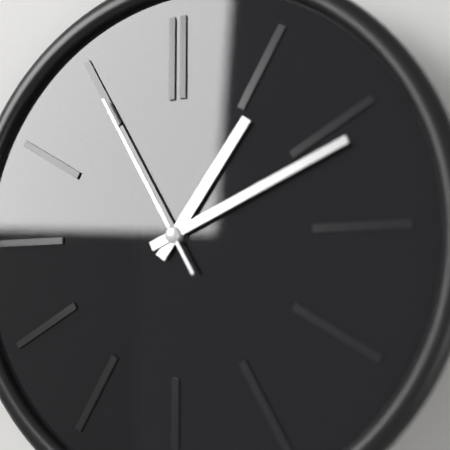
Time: **1:11:55**
